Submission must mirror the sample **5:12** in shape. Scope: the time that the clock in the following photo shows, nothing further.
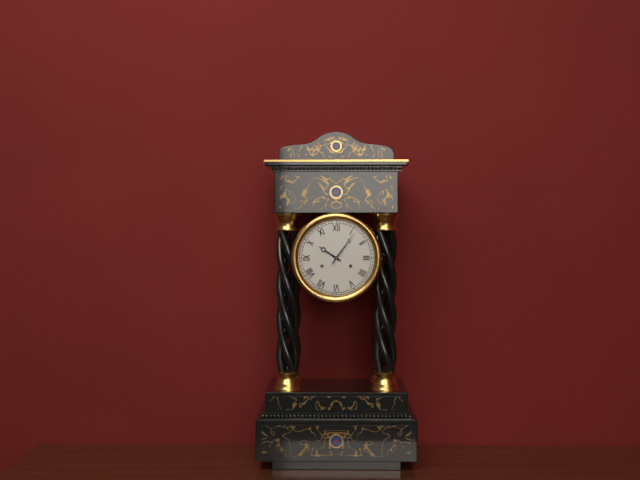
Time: **10:06**
